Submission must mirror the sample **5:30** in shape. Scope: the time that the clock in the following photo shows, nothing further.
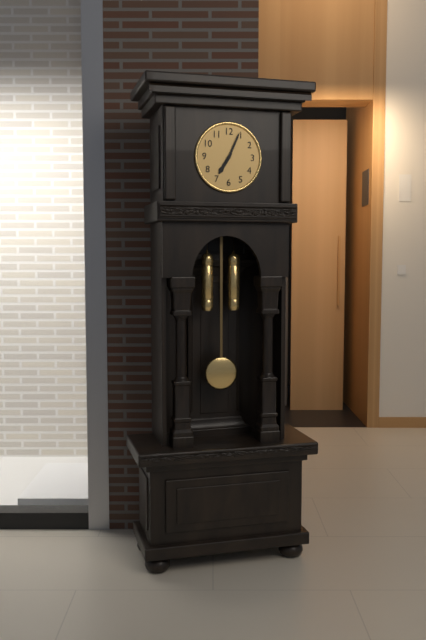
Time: **7:04**
